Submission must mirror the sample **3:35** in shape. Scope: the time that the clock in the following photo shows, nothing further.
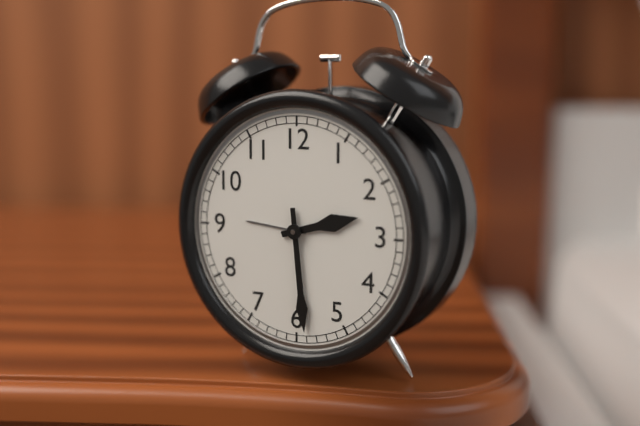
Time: **2:29**
